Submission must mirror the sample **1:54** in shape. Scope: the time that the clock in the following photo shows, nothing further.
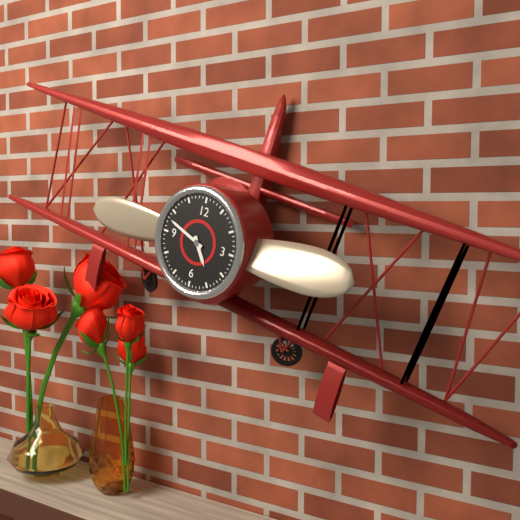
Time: **4:48**
